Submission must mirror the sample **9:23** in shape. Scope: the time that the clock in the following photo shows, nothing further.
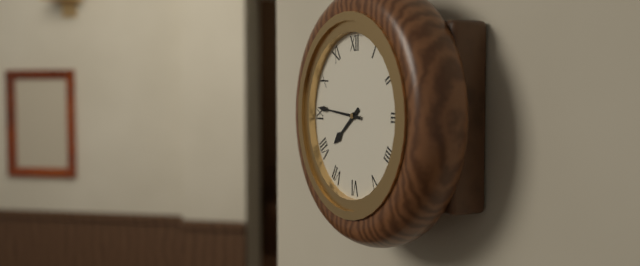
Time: **7:46**
